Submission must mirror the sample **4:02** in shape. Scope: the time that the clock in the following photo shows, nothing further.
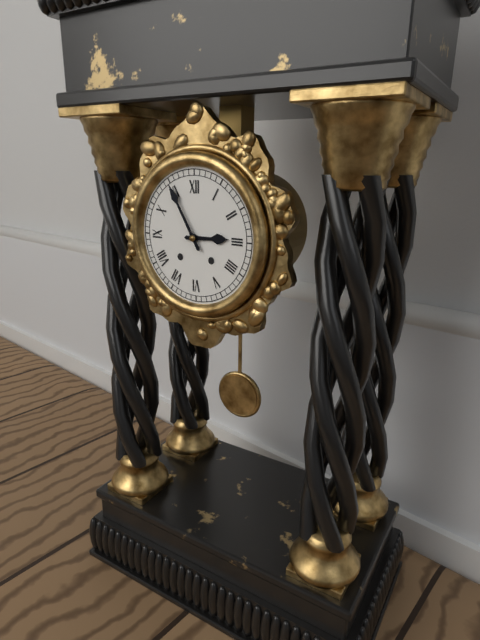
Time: **2:55**
